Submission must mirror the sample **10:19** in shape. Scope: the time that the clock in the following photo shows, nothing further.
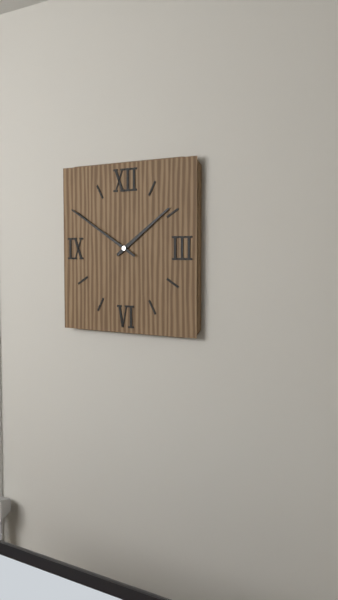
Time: **1:50**
